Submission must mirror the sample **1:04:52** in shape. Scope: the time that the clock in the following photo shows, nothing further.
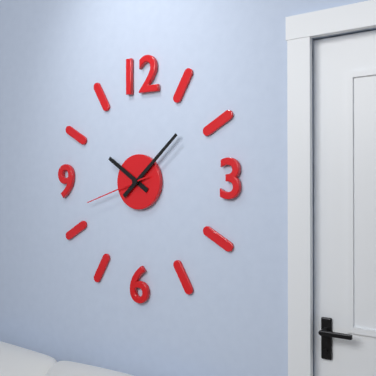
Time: **10:08:42**
